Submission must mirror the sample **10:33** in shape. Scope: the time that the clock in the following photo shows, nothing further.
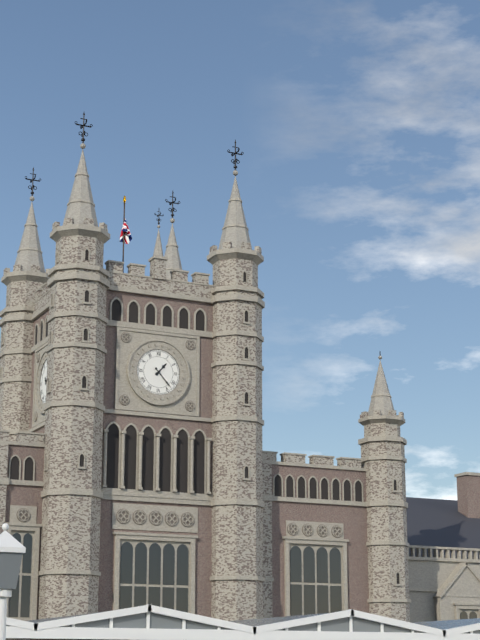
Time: **1:23**
